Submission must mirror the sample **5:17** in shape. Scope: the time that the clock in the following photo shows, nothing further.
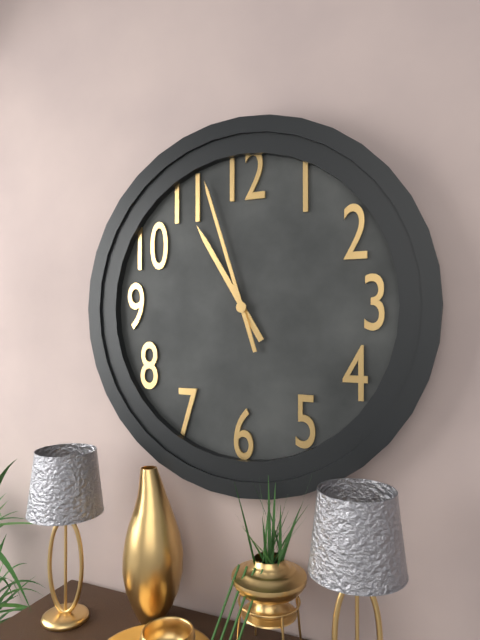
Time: **10:57**
